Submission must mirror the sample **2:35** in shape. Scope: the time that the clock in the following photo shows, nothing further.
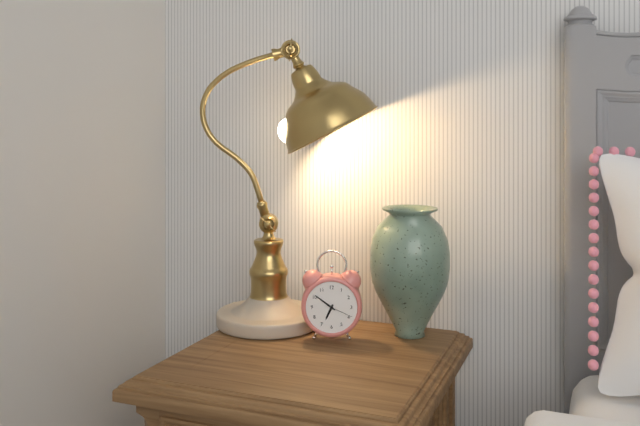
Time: **6:51**
